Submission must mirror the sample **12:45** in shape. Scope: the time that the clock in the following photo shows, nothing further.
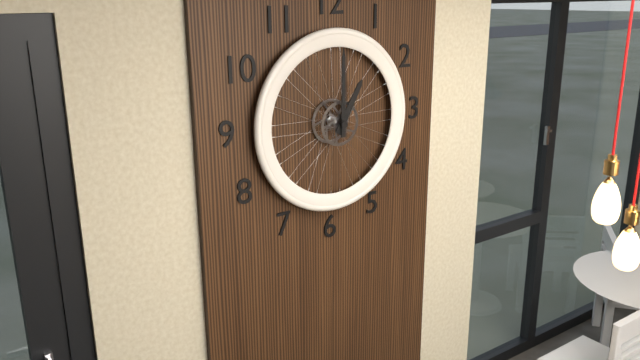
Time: **1:00**
